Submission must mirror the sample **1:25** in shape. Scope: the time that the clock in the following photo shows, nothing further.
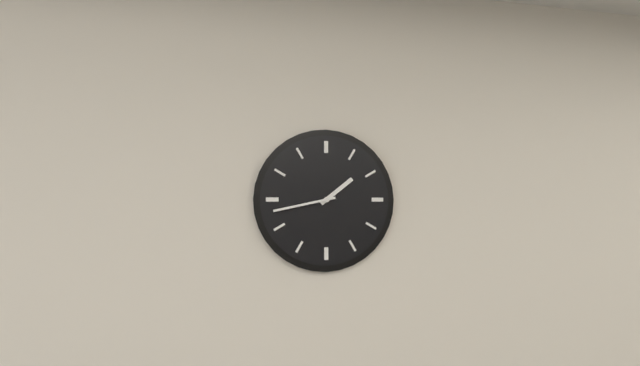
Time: **1:43**
